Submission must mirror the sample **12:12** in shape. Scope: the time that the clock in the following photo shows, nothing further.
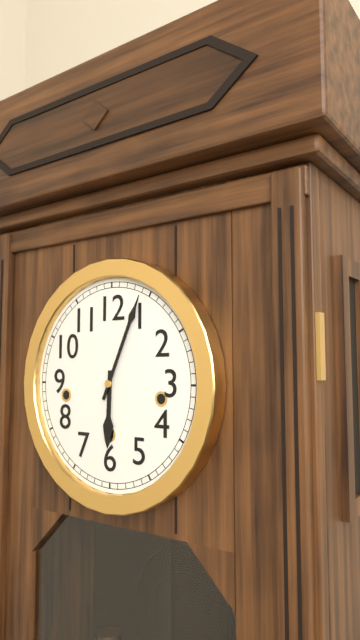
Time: **6:04**
